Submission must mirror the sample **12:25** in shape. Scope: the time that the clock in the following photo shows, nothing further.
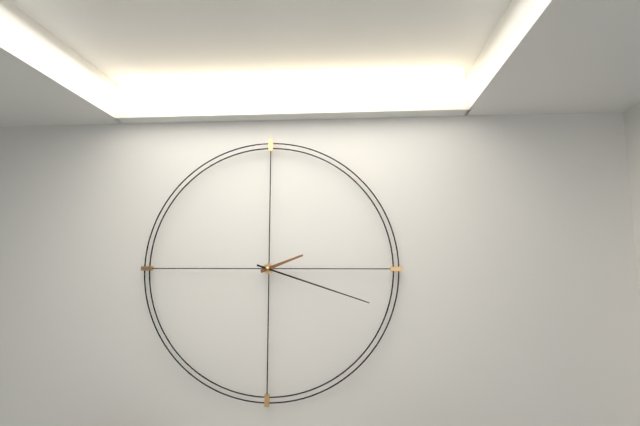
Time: **2:18**
